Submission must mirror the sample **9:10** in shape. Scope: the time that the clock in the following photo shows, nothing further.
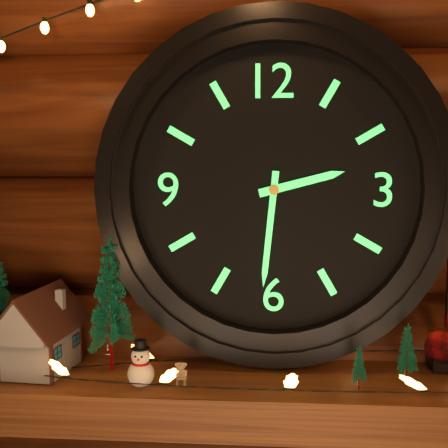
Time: **2:31**
